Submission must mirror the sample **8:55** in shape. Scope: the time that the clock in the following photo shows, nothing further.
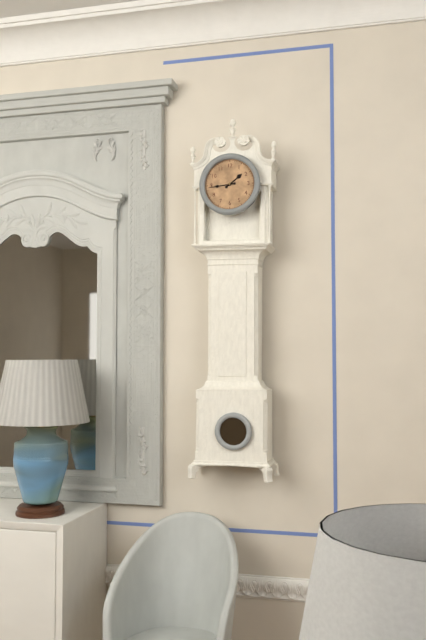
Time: **1:44**
